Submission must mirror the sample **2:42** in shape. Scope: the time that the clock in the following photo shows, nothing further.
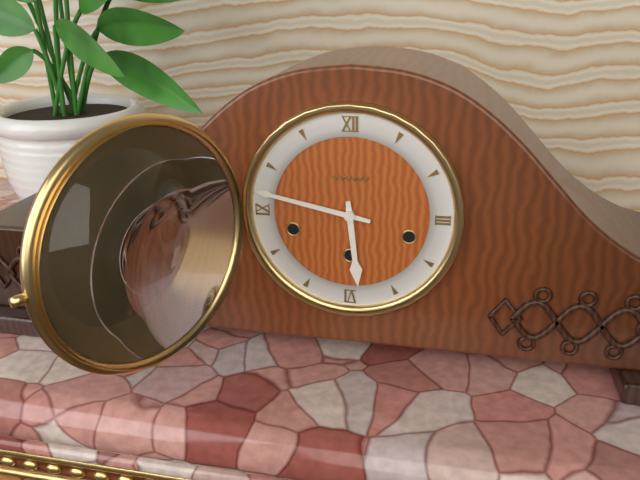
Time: **5:47**
